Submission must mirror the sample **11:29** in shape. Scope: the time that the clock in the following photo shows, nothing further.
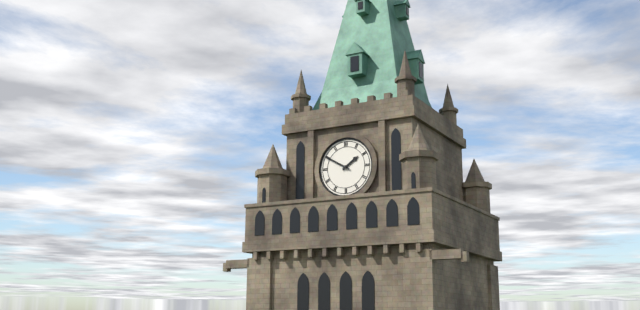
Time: **1:50**
